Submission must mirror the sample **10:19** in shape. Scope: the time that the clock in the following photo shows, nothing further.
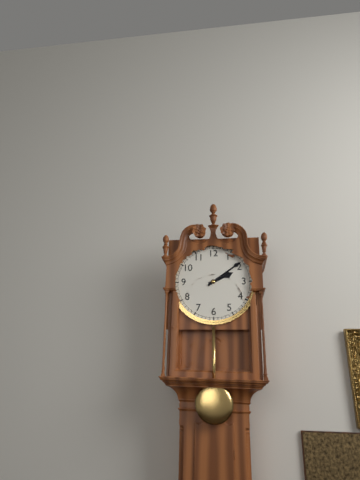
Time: **2:09**
